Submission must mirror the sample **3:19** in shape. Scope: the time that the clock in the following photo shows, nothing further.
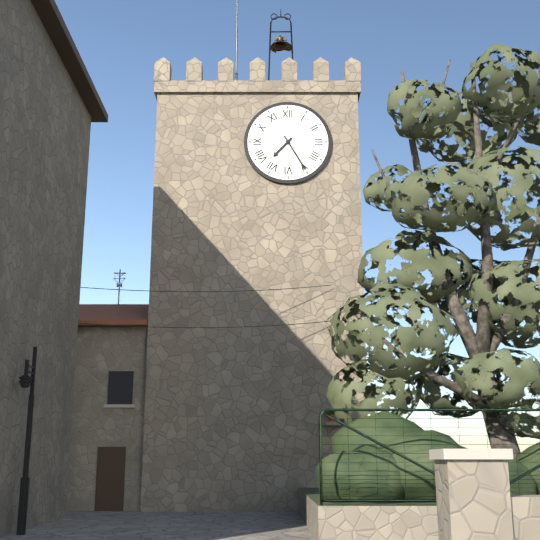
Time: **7:25**
